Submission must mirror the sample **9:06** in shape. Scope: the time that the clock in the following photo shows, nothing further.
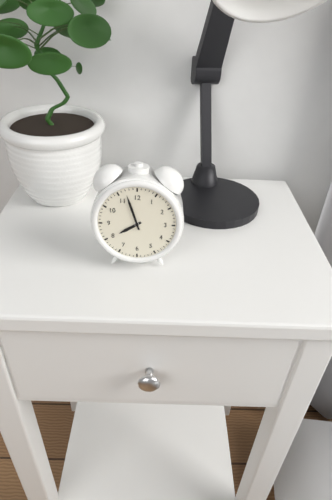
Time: **7:57**
